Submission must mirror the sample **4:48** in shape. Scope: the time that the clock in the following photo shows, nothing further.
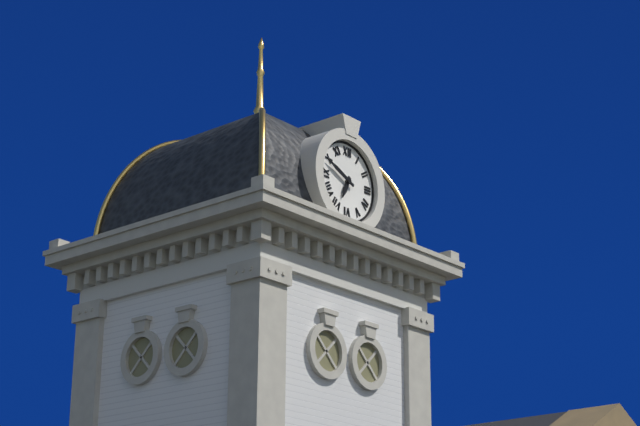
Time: **6:49**
